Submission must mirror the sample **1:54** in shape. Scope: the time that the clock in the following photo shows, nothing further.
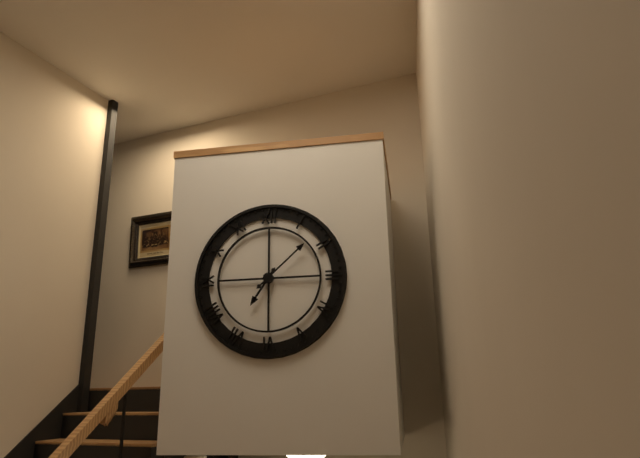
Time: **7:08**
